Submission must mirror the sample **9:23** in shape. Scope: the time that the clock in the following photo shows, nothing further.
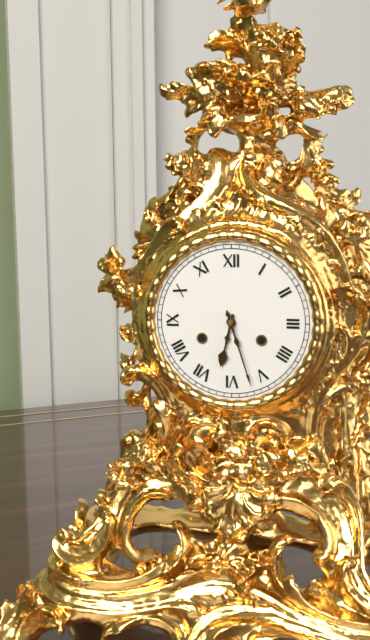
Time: **6:27**
